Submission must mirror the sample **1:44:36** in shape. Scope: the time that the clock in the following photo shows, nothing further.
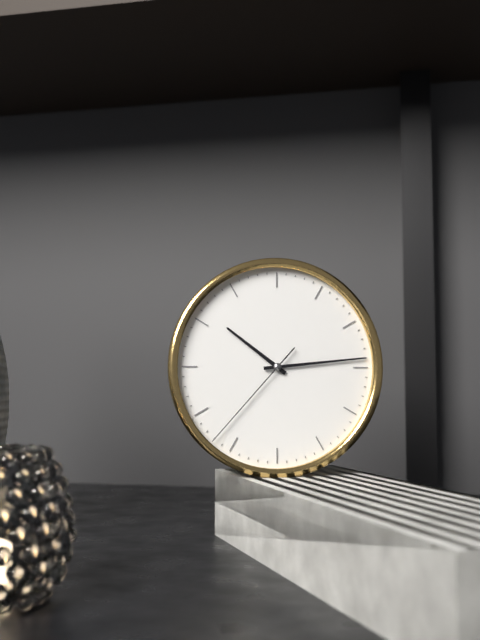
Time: **10:14:37**
